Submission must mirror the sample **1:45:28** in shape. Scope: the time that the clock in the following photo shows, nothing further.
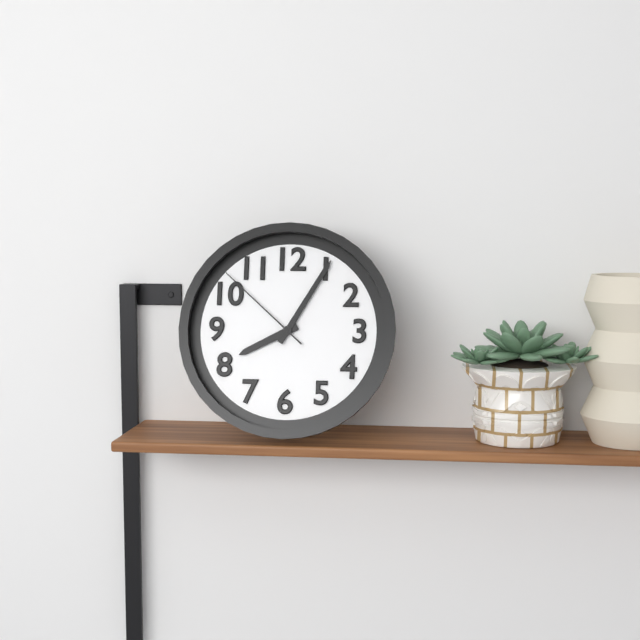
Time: **8:05:52**
